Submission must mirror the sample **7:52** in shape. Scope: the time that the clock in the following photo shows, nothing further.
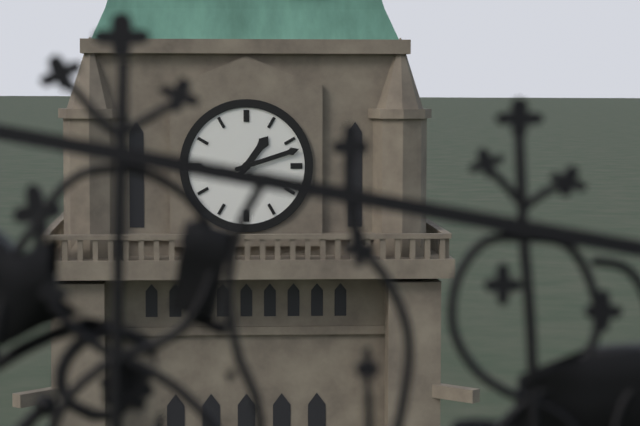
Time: **1:12**
